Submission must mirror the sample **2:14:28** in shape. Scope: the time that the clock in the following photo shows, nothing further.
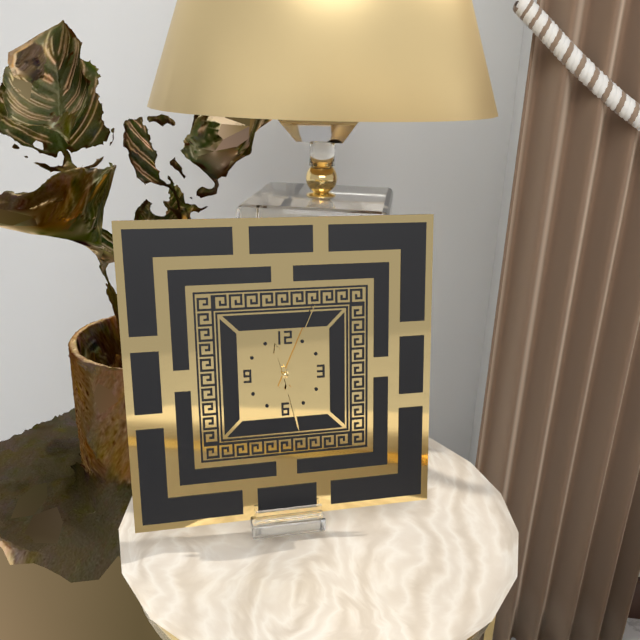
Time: **11:28:04**
